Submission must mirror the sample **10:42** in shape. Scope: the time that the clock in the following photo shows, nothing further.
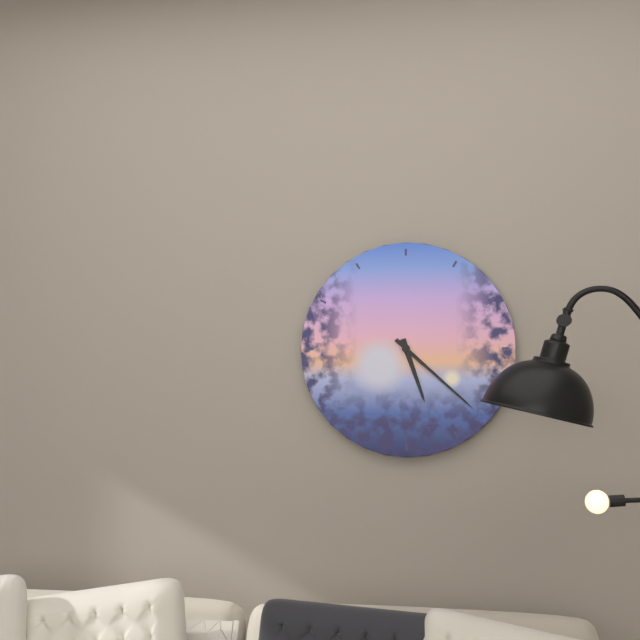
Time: **5:22**
